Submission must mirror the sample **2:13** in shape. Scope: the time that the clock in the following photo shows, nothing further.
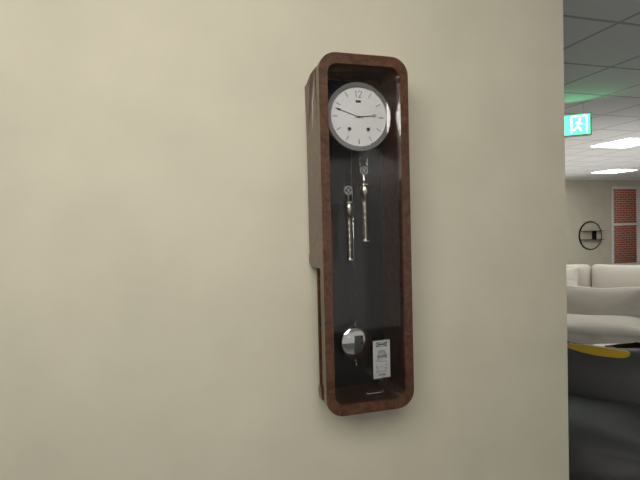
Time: **2:48**
